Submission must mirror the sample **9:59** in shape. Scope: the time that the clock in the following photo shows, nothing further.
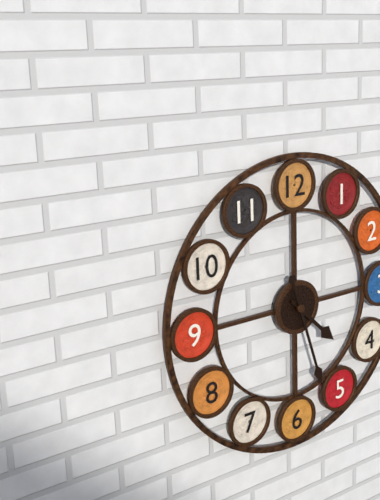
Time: **4:27**
